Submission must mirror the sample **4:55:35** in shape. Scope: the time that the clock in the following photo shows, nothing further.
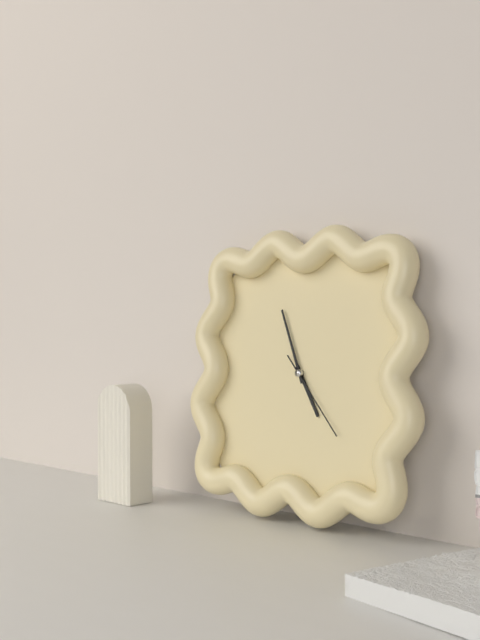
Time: **4:56:23**
